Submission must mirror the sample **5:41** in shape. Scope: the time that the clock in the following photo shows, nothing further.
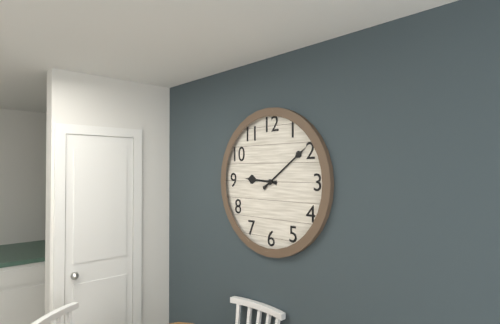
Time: **9:09**
